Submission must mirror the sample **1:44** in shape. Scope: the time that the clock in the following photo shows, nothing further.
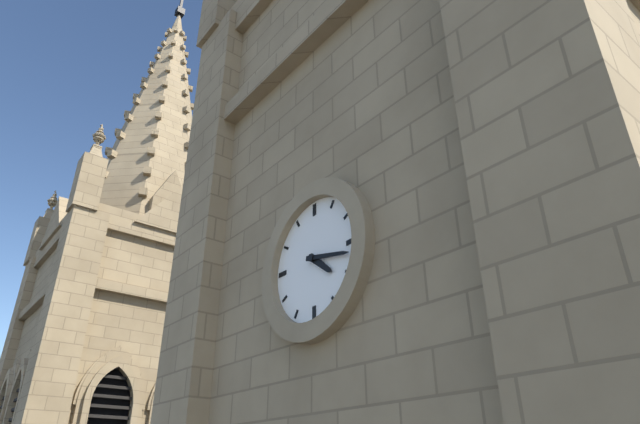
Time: **4:17**
